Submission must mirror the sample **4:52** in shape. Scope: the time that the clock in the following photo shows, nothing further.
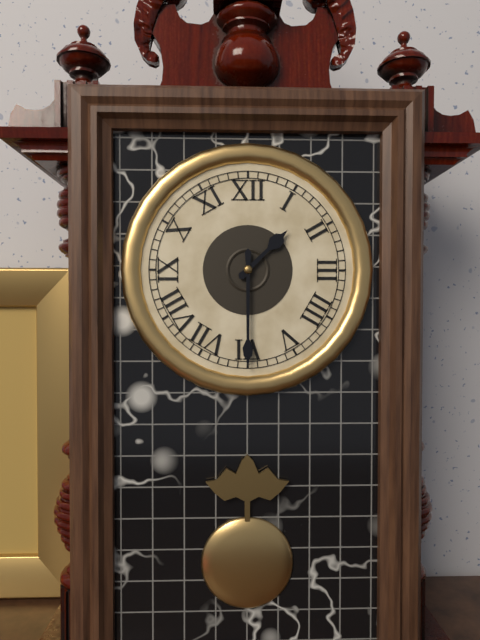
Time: **1:30**
